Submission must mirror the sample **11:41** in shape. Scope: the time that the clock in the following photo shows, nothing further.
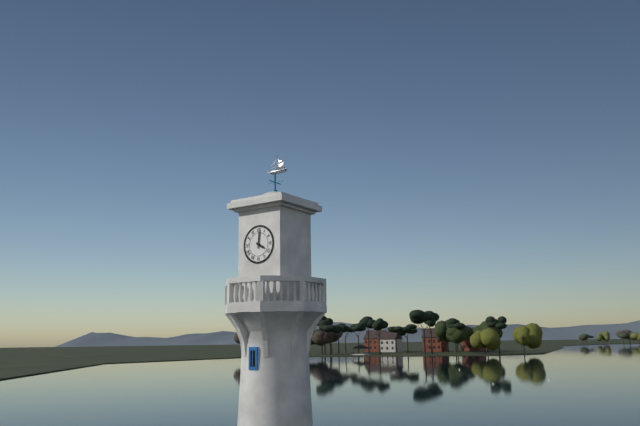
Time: **4:01**
